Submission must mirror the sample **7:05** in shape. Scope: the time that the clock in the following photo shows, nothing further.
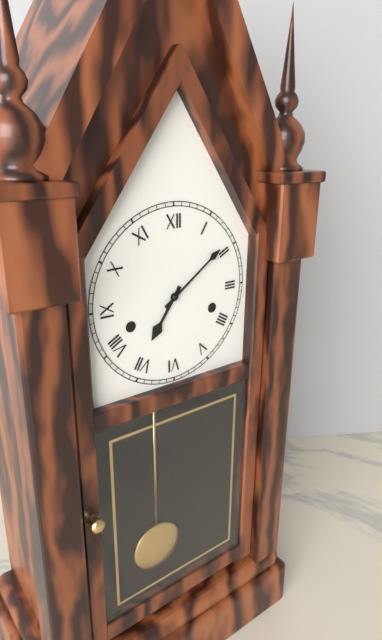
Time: **7:09**
